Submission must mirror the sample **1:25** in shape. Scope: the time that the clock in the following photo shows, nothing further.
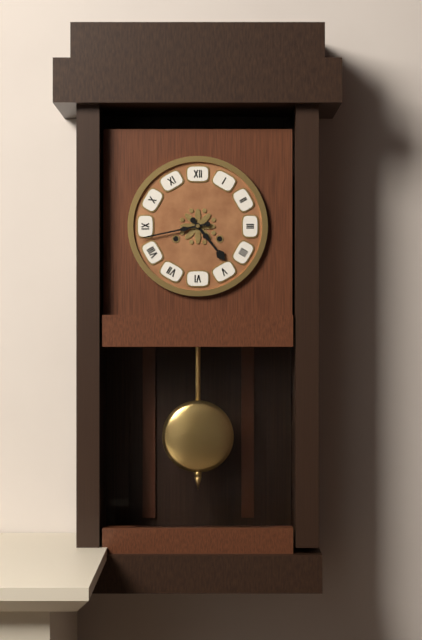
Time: **4:43**
